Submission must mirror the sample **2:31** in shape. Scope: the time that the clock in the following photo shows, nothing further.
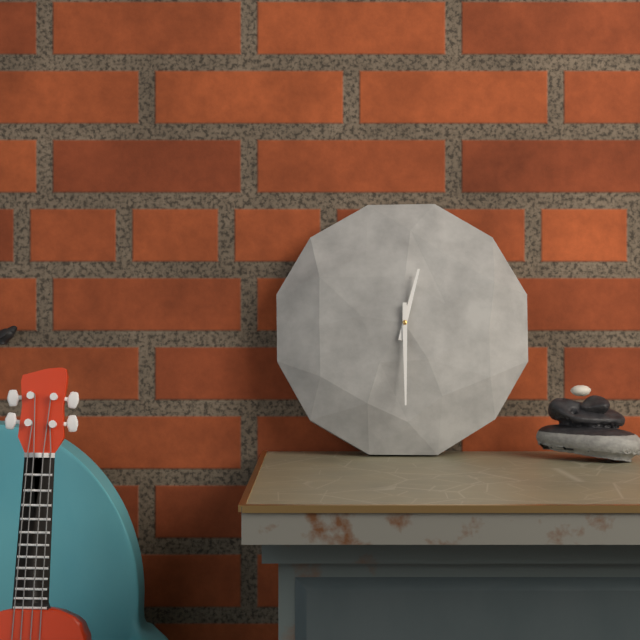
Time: **12:30**
